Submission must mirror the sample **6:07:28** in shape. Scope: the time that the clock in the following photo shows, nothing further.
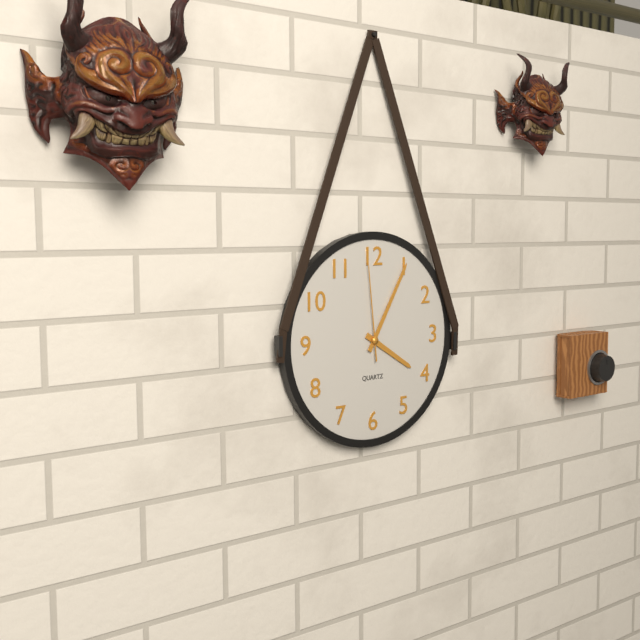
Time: **4:05:59**
